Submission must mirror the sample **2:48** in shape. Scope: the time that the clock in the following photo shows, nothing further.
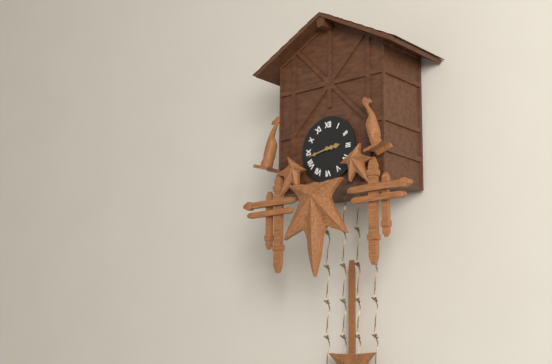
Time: **2:43**
